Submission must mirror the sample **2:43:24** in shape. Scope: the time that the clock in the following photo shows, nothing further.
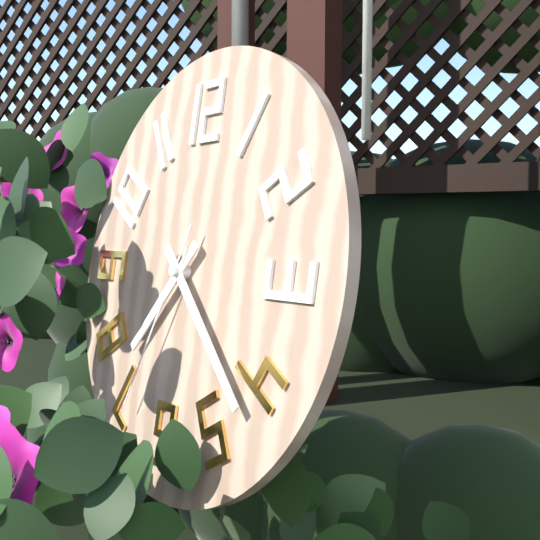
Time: **7:22:34**
